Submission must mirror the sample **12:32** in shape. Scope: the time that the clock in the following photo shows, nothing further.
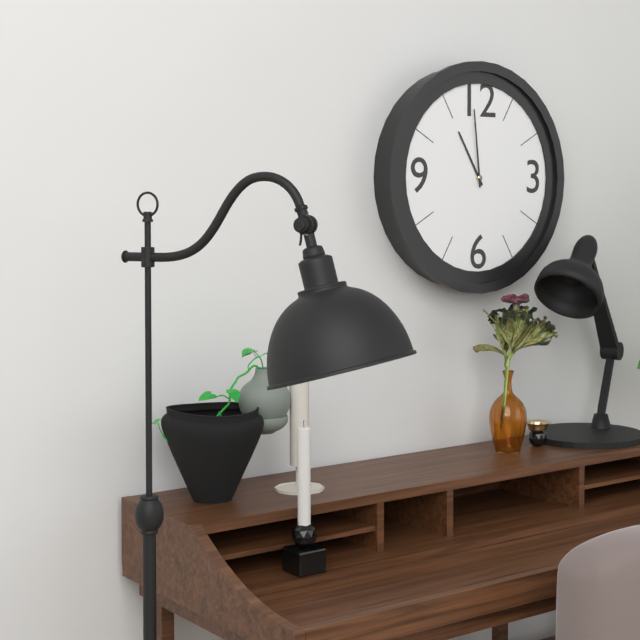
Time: **10:59**
